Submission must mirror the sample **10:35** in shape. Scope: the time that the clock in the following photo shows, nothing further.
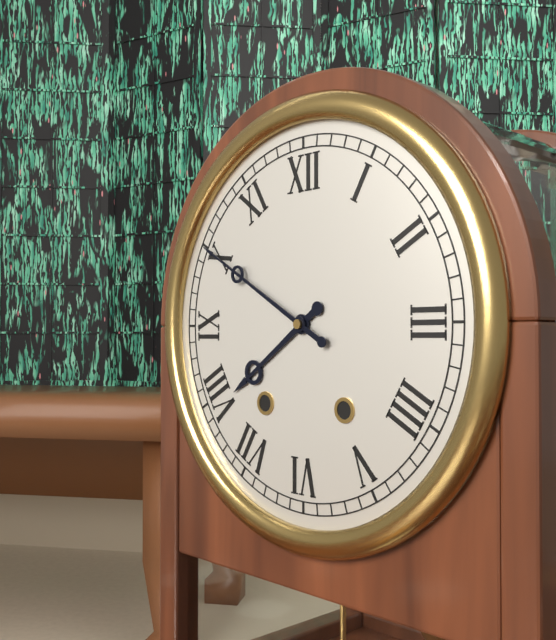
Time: **7:50**
